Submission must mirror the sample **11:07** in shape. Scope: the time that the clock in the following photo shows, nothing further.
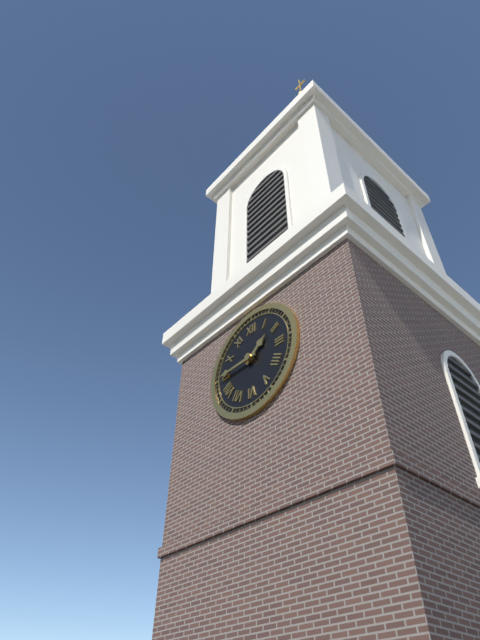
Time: **1:45**
